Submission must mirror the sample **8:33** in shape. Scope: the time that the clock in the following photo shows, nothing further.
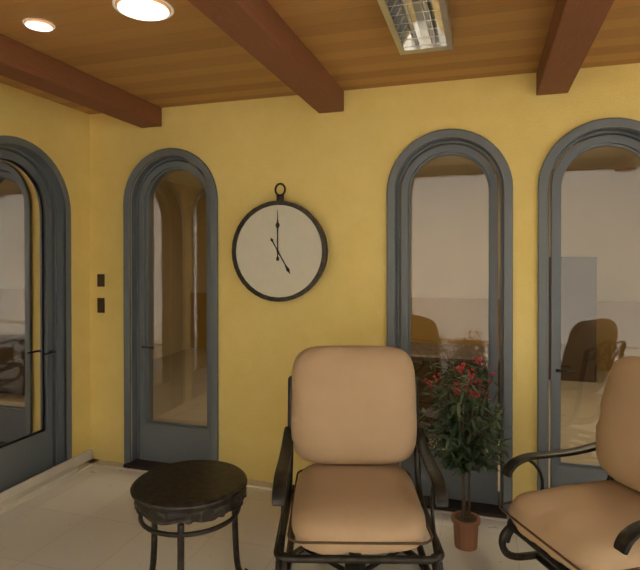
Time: **5:00**
